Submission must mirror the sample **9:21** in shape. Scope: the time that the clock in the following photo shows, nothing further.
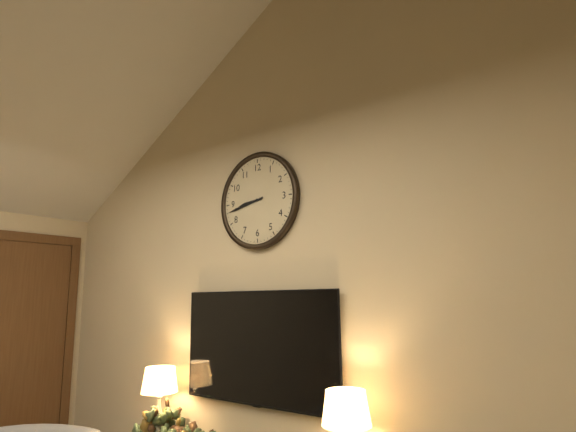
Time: **8:43**
